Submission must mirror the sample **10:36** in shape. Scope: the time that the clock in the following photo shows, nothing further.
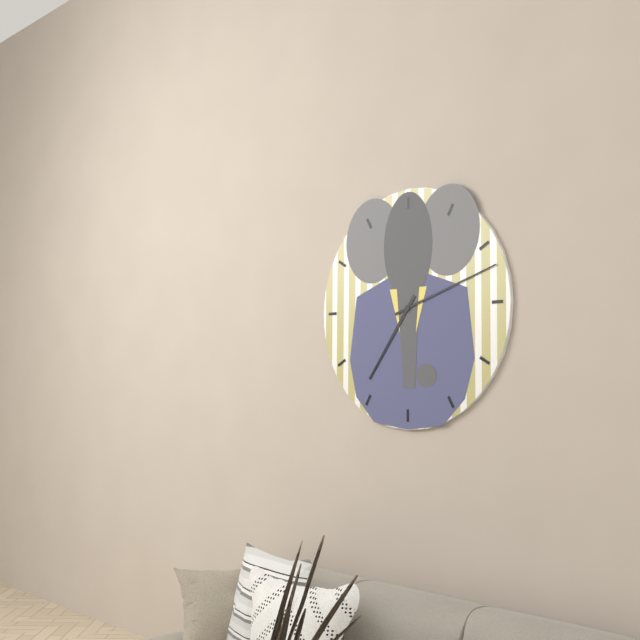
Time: **7:12**
